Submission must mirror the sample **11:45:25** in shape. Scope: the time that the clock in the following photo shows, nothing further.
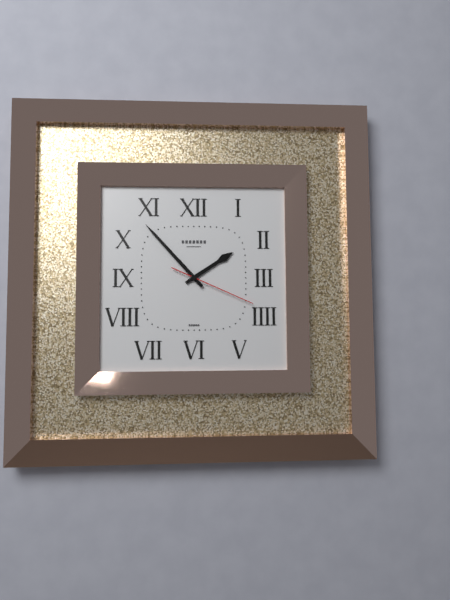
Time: **1:53:19**
